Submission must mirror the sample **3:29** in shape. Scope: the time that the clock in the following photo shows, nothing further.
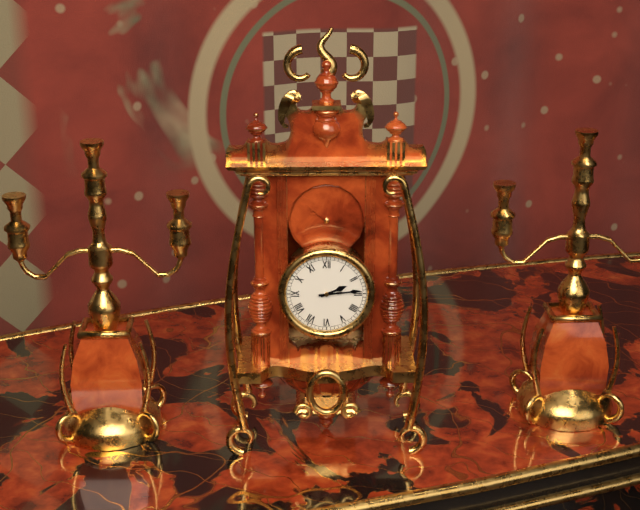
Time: **2:14**
